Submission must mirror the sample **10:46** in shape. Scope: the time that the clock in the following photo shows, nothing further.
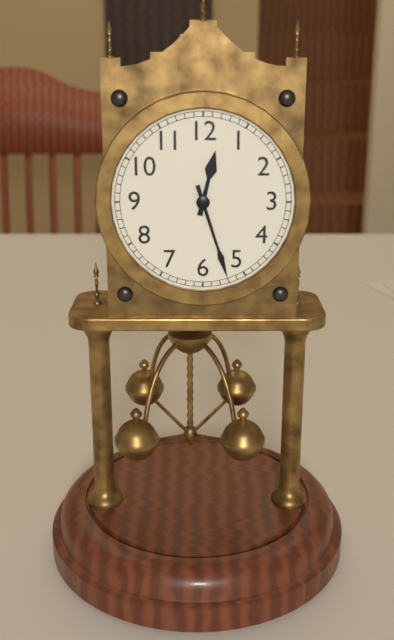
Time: **12:27**
